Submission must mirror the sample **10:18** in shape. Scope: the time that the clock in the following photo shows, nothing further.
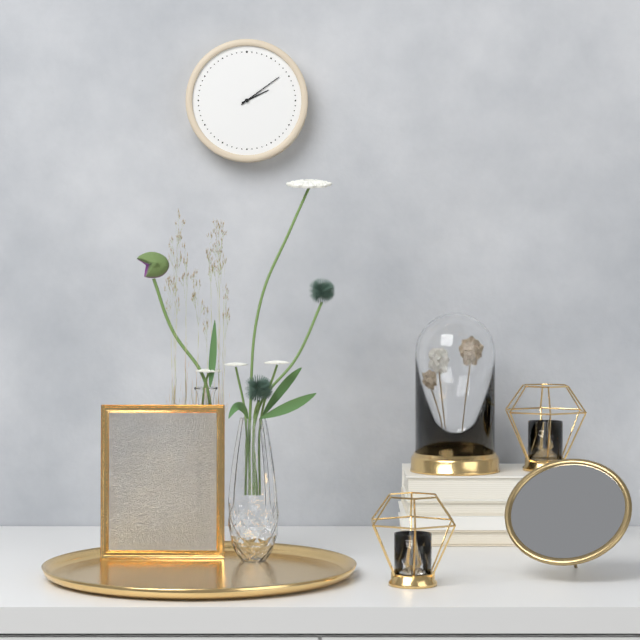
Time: **2:09**
